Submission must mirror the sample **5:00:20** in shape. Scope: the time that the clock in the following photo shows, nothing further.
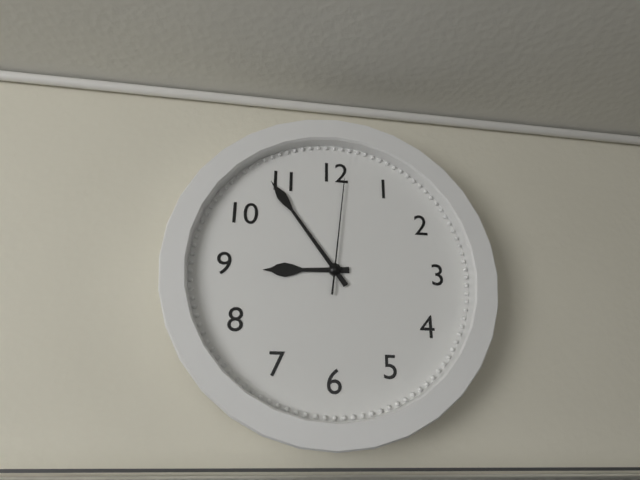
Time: **8:54:01**
